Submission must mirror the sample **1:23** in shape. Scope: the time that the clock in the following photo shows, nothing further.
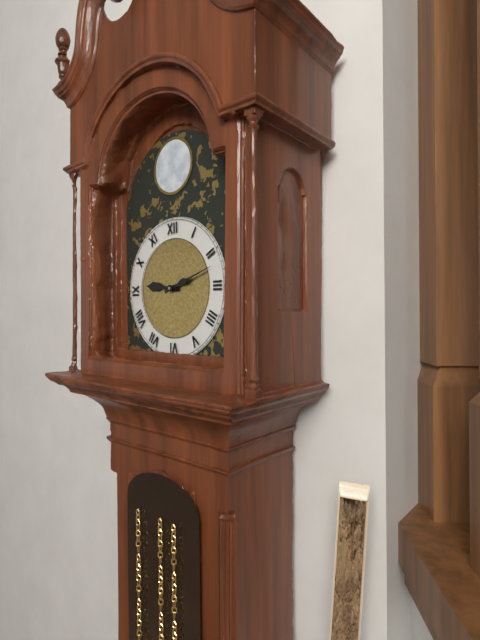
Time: **9:12**
